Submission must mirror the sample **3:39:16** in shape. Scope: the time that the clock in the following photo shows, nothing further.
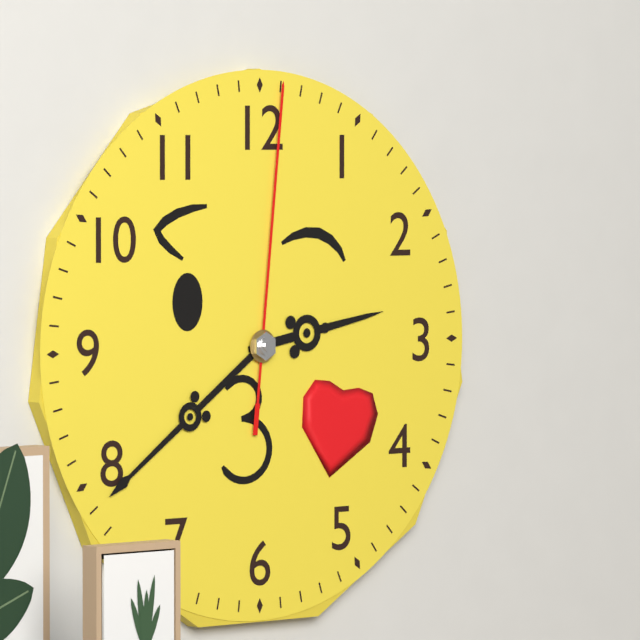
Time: **2:39:01**
